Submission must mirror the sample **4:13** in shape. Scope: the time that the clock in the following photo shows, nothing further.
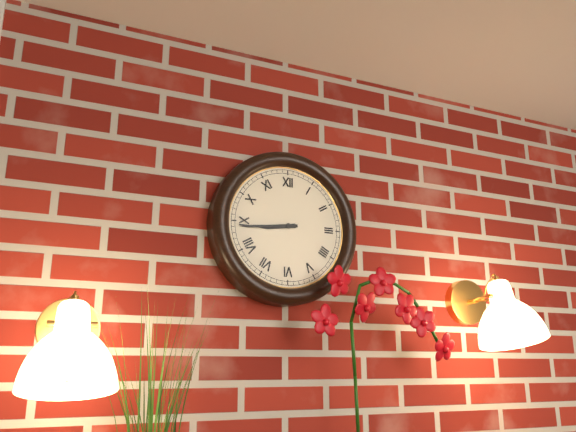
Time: **8:44**
